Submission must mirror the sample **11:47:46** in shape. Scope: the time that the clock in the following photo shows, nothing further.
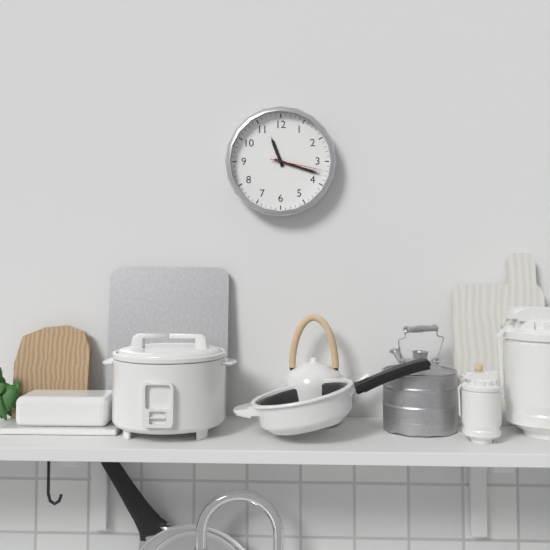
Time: **11:18:17**
